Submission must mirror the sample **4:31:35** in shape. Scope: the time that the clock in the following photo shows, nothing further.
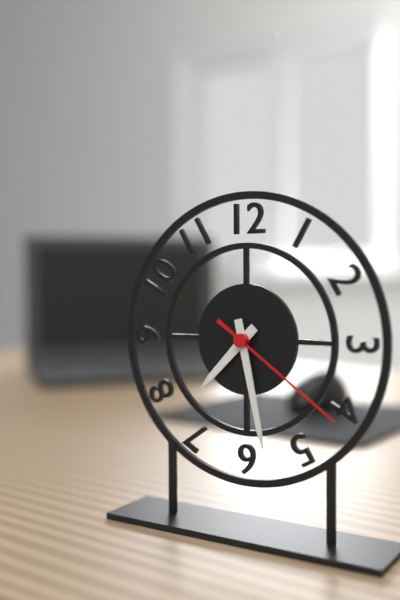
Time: **7:28:21**
